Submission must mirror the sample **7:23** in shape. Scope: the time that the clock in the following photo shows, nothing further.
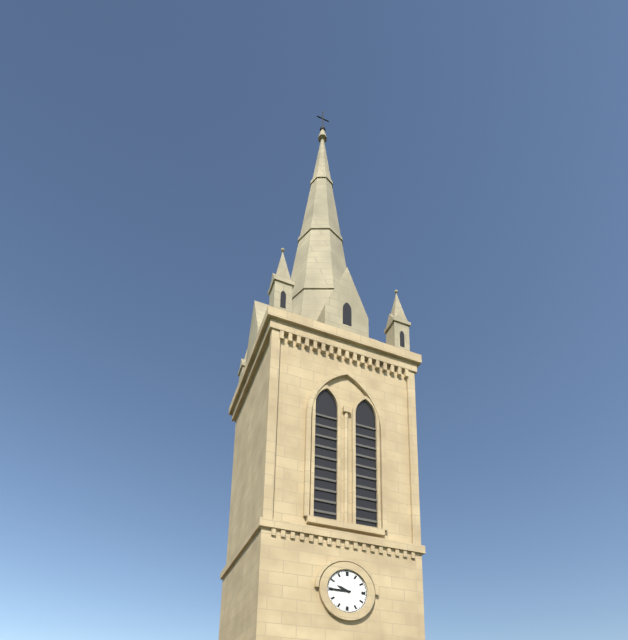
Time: **9:45**
